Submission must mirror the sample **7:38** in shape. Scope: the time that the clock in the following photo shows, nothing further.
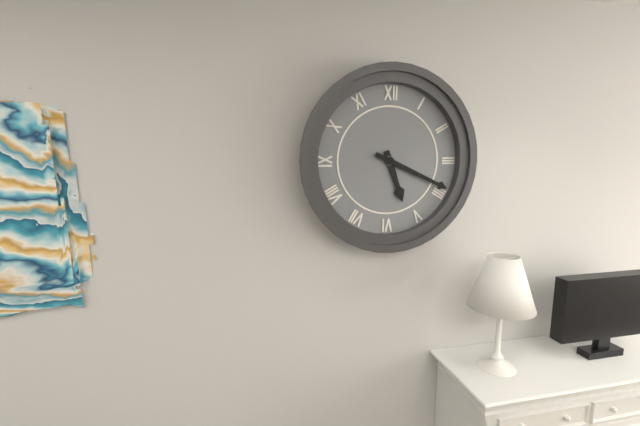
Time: **5:19**
